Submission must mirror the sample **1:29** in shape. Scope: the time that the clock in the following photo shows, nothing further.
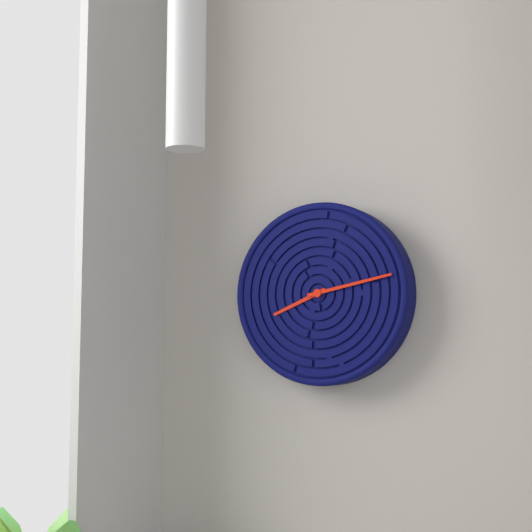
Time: **8:13**
